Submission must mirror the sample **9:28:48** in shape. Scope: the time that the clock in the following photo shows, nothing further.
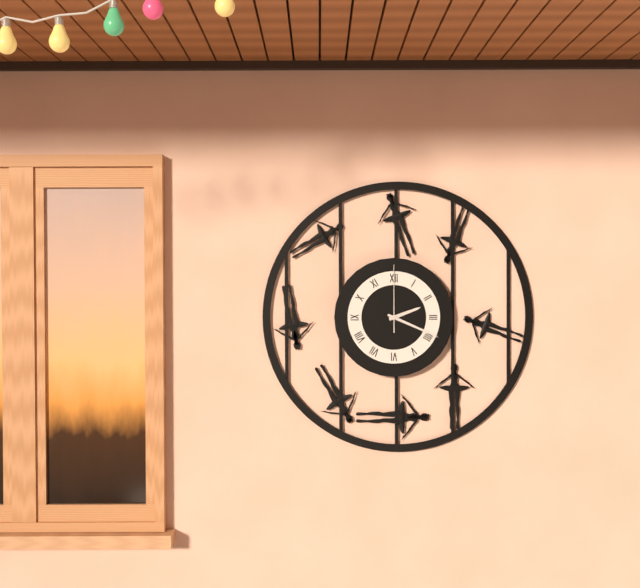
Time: **2:19:00**
